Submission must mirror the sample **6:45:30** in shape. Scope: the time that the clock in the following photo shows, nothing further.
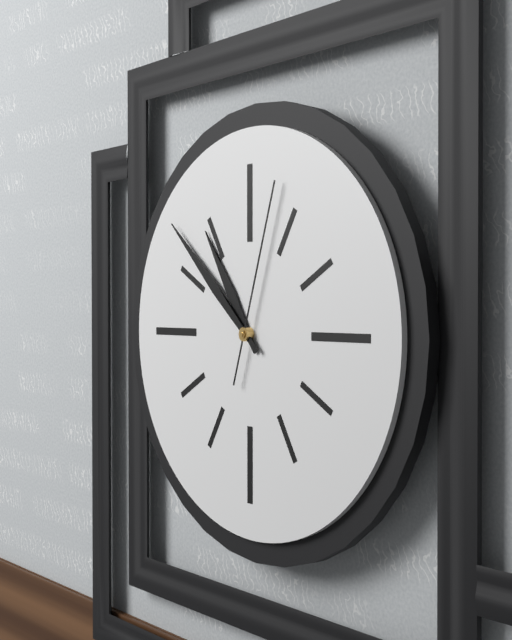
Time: **10:52:03**
